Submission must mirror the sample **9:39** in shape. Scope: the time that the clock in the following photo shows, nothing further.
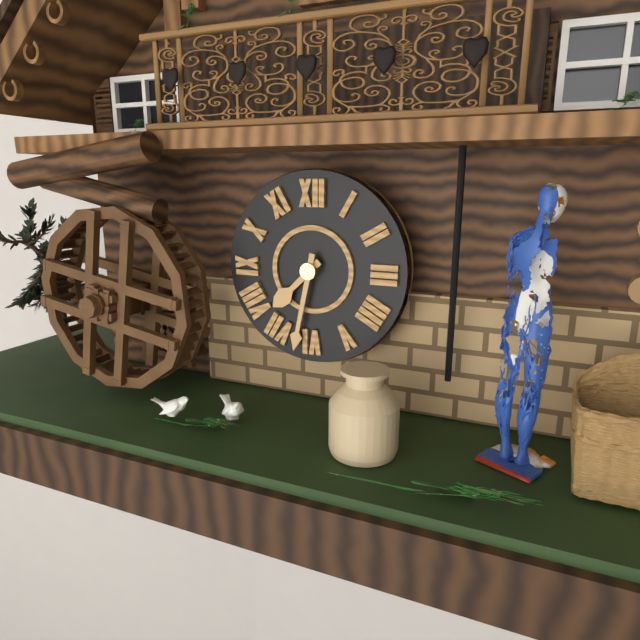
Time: **7:32**
